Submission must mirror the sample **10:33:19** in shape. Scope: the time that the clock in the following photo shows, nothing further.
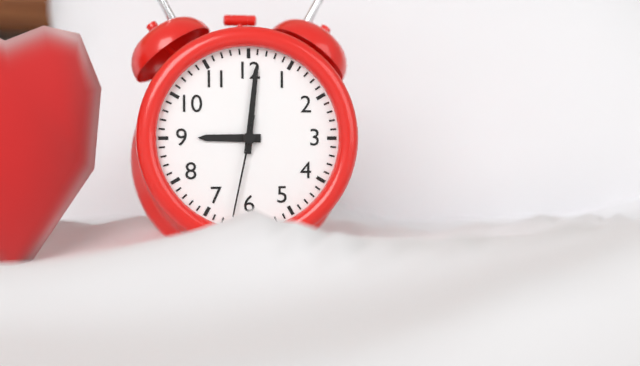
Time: **9:01:32**
